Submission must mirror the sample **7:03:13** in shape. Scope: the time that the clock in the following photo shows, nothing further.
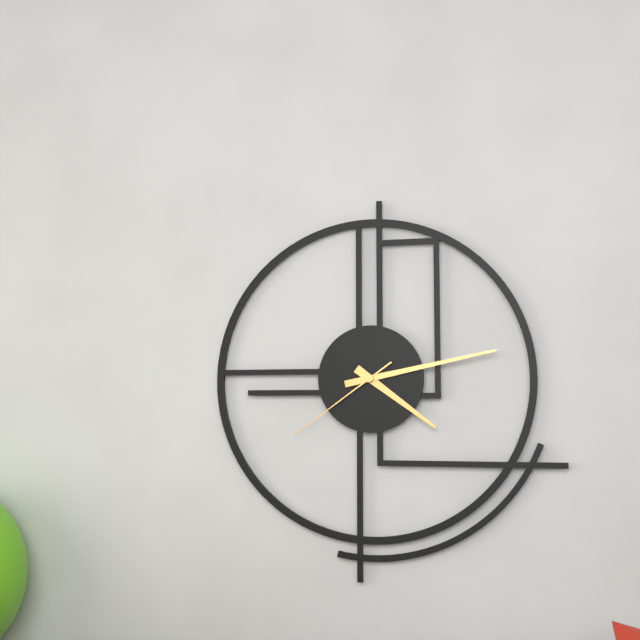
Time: **4:13:39**
